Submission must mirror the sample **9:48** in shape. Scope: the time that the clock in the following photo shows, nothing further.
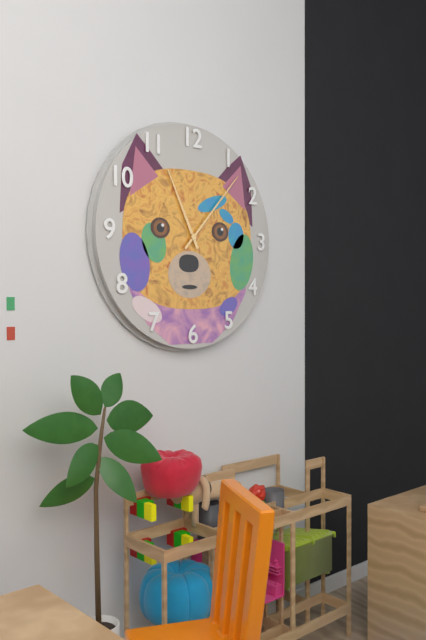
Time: **11:07**
